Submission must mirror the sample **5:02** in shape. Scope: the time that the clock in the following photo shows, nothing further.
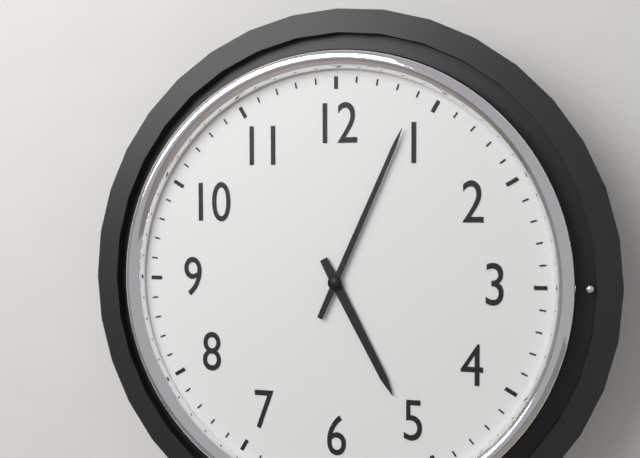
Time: **5:04**
